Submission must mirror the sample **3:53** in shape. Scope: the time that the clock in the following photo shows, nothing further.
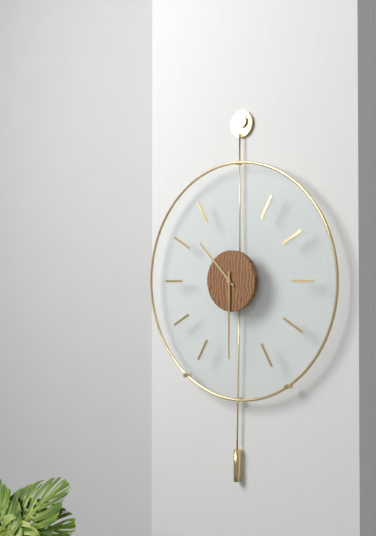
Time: **10:30**
